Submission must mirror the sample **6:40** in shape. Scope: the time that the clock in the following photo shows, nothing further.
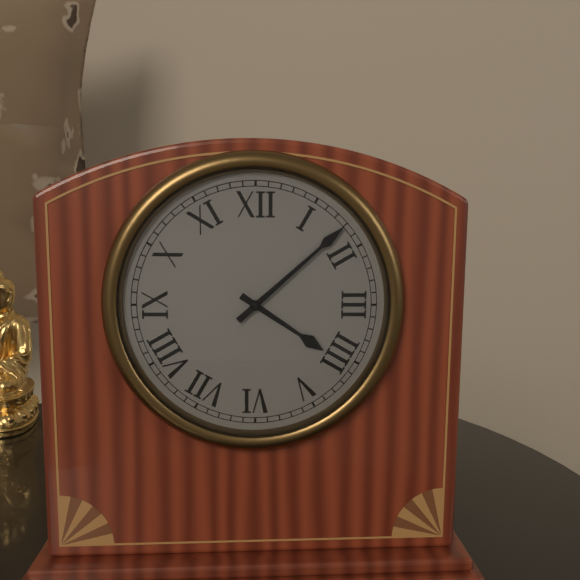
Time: **4:08**
